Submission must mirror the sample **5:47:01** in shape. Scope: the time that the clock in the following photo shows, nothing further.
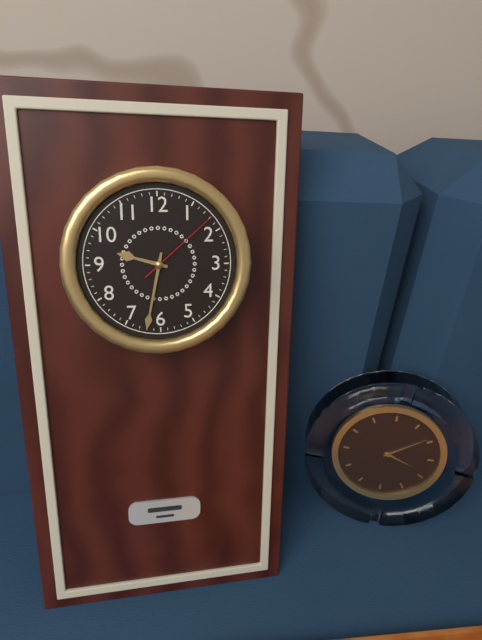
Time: **9:32:08**
